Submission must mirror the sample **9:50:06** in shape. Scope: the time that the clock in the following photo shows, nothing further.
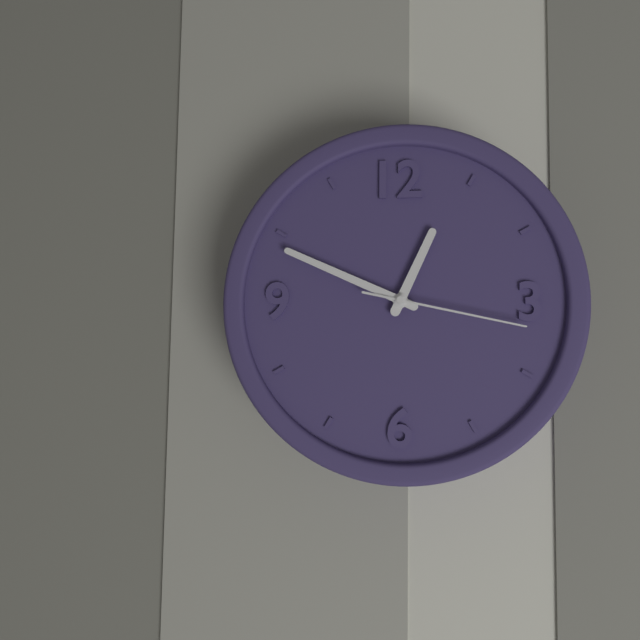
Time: **12:49:17**
